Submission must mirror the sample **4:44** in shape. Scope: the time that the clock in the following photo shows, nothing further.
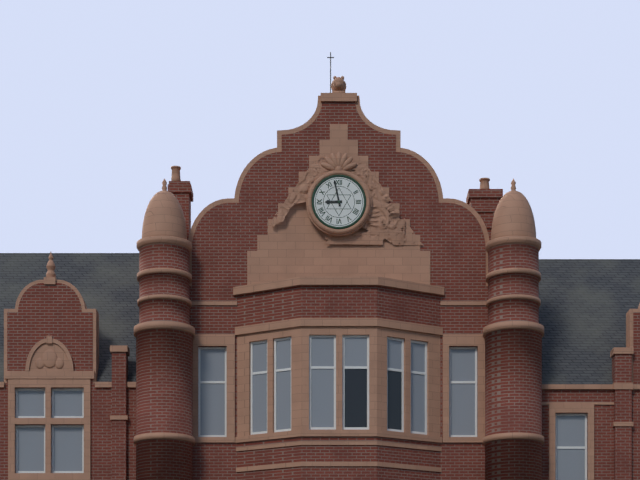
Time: **8:58**
